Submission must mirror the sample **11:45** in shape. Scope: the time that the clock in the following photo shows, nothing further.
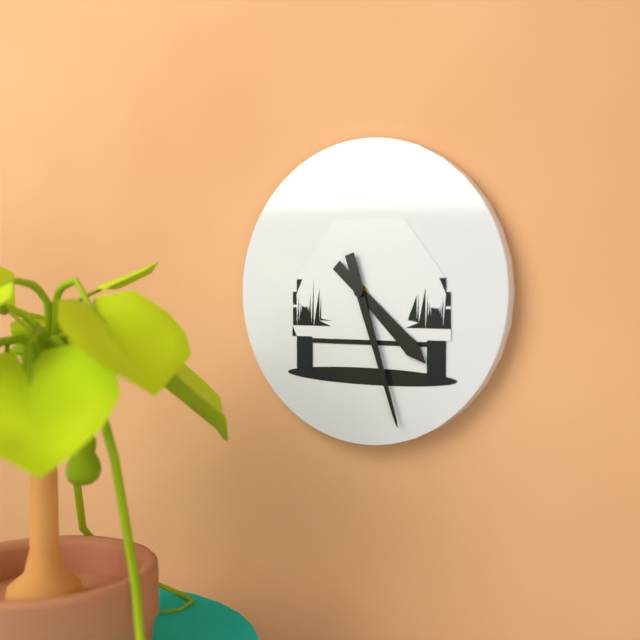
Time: **4:27**
